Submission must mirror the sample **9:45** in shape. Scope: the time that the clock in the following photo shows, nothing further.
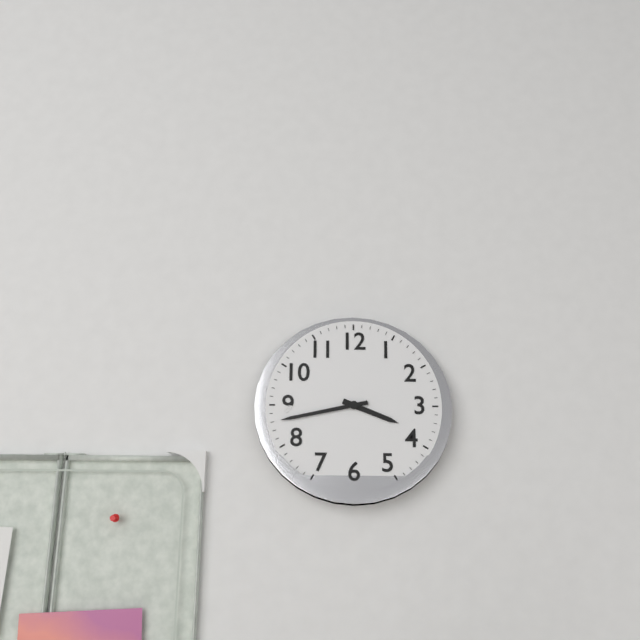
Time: **3:43**
